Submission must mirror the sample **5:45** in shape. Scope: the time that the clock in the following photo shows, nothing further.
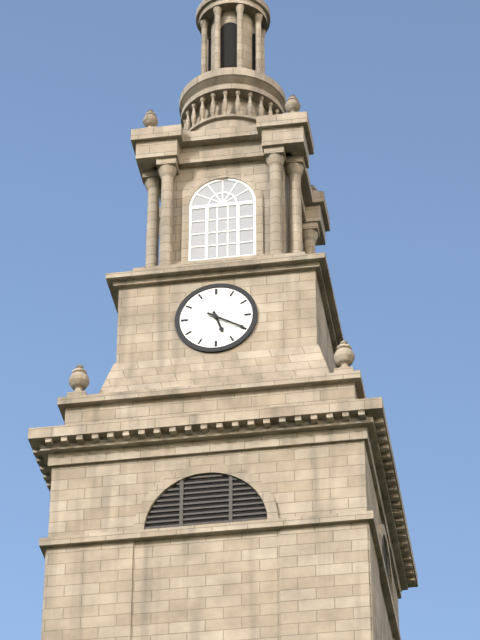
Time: **5:20**
